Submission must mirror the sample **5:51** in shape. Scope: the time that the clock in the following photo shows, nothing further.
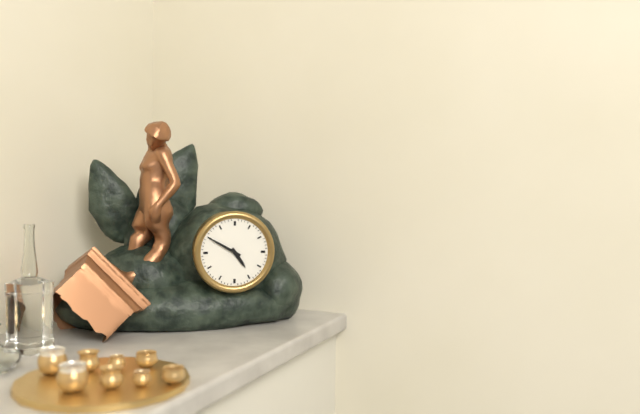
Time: **4:50**
